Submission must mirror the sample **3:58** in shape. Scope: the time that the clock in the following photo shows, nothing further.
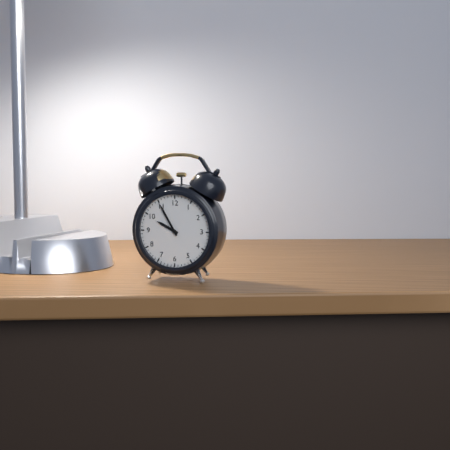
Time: **9:55**
